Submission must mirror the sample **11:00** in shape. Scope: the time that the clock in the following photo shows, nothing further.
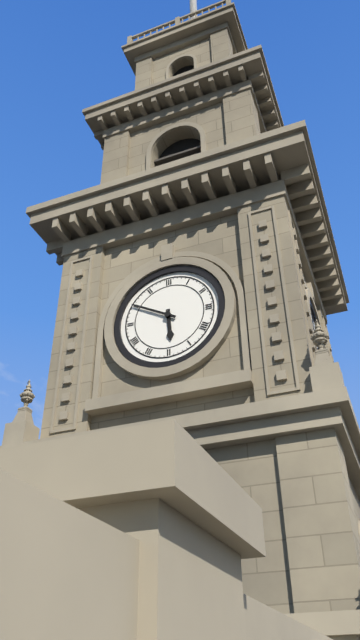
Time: **5:50**
